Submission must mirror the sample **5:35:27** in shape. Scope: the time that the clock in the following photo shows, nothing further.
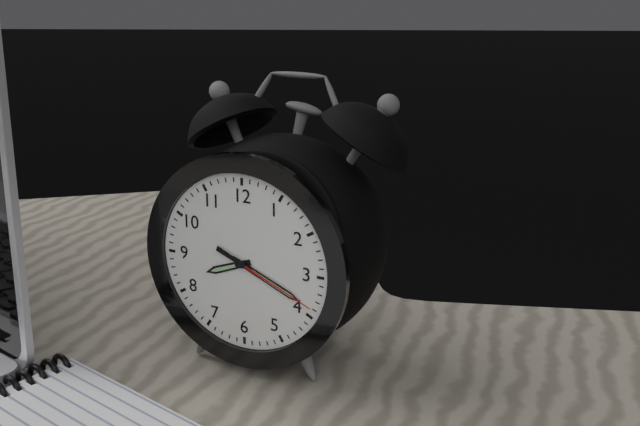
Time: **8:19:19**
